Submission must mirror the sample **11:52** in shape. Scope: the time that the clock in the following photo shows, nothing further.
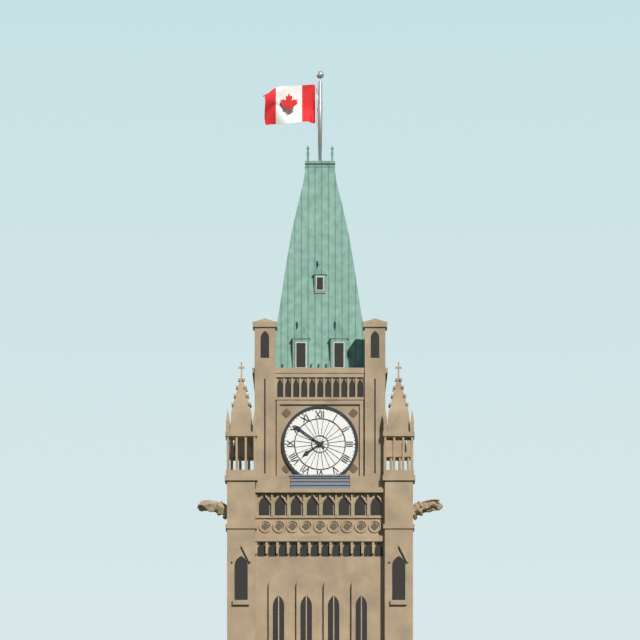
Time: **7:51**
